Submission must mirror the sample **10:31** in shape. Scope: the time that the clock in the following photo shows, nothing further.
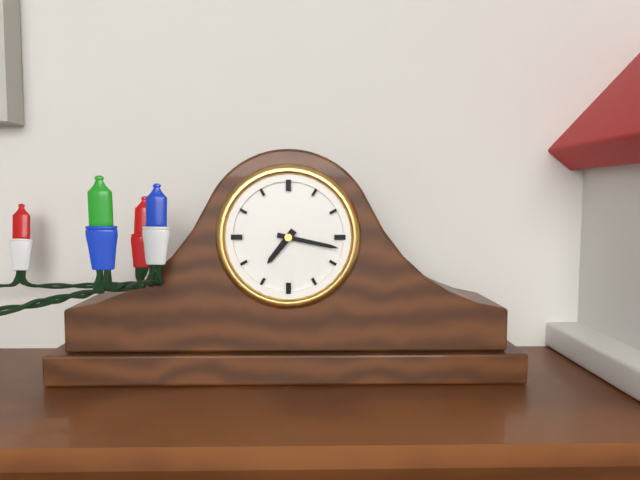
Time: **7:17**
